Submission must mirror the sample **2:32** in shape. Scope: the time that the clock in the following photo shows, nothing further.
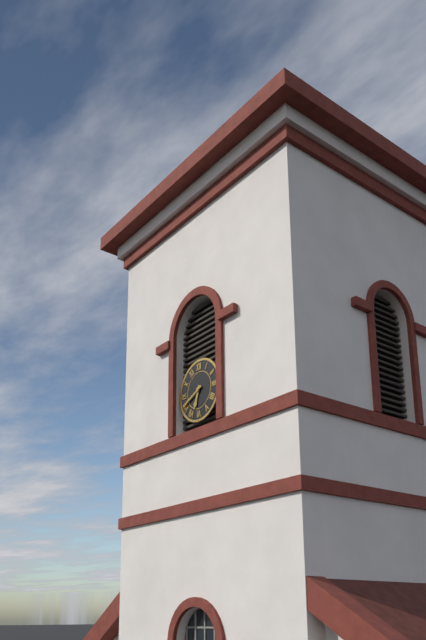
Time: **6:41**
